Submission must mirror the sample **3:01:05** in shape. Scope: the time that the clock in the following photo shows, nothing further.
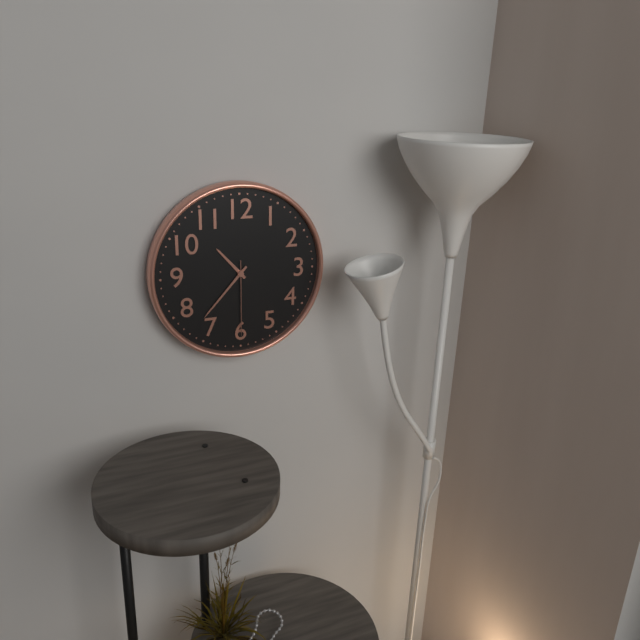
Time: **10:37:30**
